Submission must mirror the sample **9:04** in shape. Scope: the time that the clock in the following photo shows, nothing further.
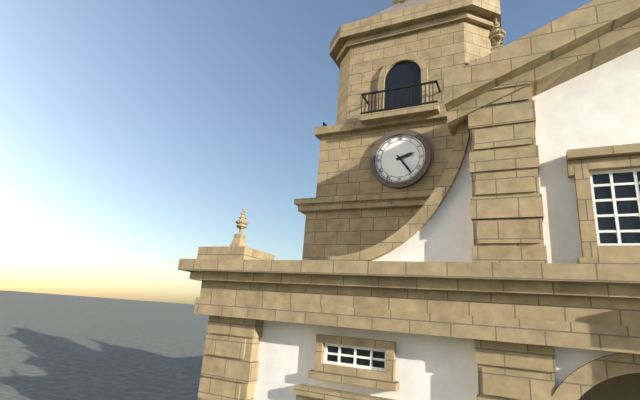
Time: **2:24**
